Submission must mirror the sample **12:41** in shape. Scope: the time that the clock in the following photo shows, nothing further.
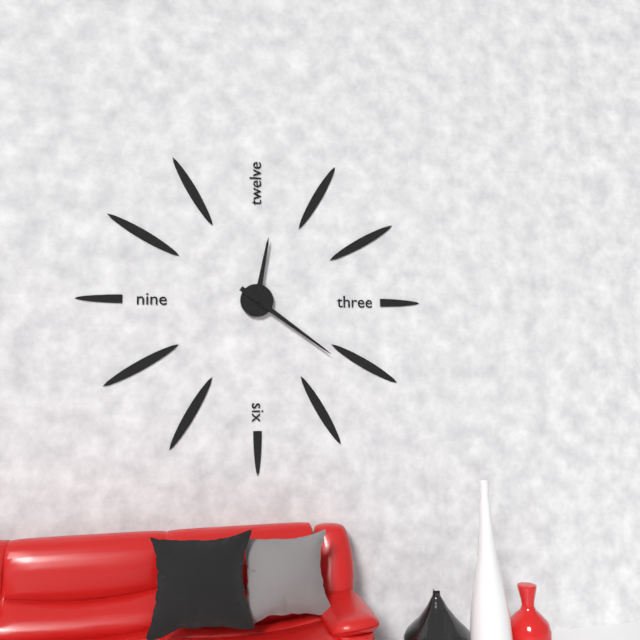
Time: **12:21**
